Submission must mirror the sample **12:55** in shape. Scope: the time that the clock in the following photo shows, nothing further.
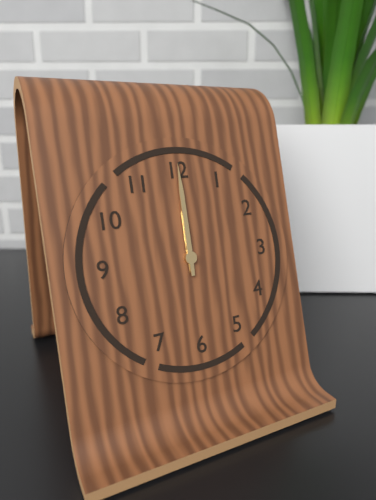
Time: **12:00**
